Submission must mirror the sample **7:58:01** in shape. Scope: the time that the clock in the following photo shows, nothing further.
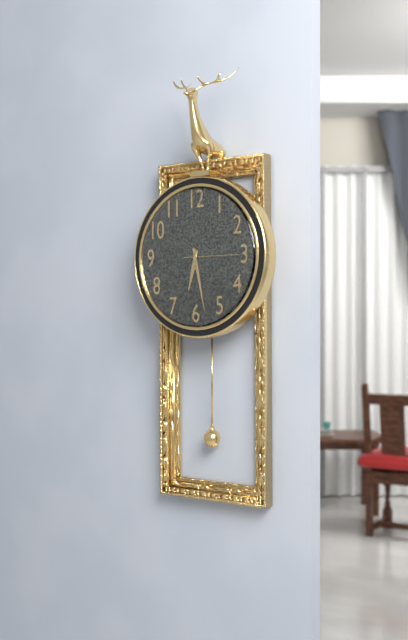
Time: **6:28:15**
